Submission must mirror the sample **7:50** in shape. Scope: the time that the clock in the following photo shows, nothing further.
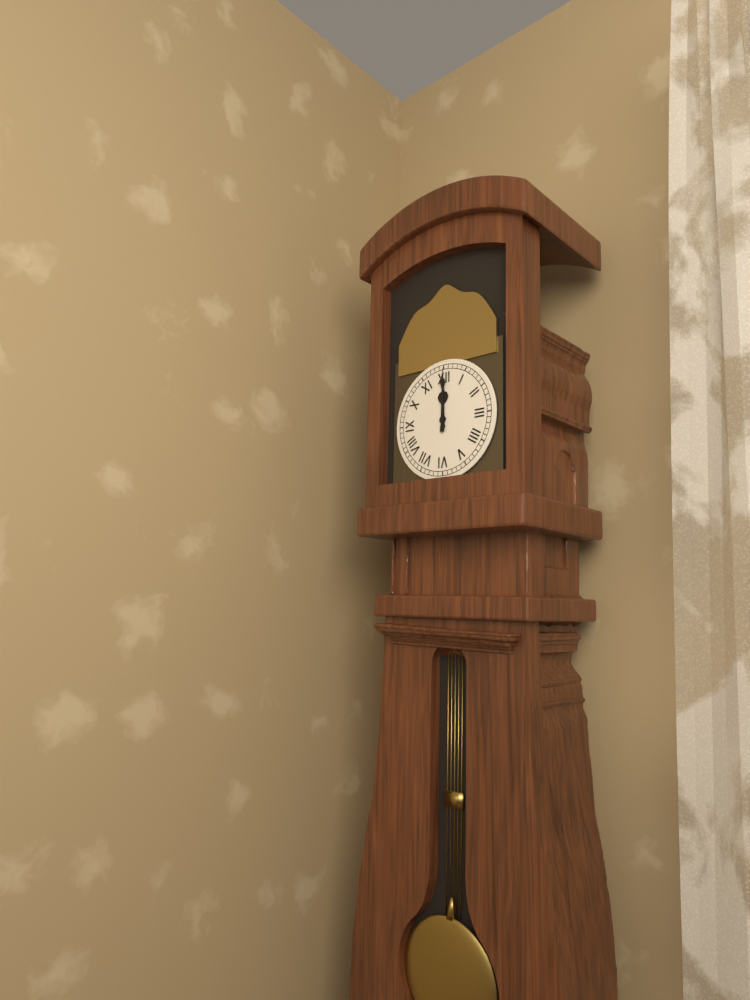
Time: **12:00**
